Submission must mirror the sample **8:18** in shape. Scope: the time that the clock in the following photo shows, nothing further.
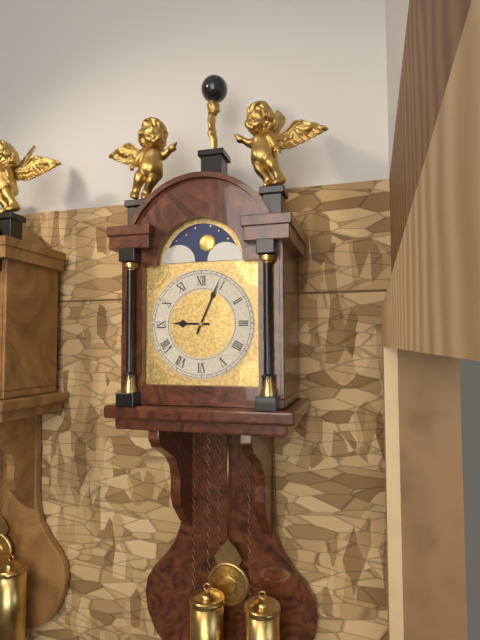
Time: **9:04**
